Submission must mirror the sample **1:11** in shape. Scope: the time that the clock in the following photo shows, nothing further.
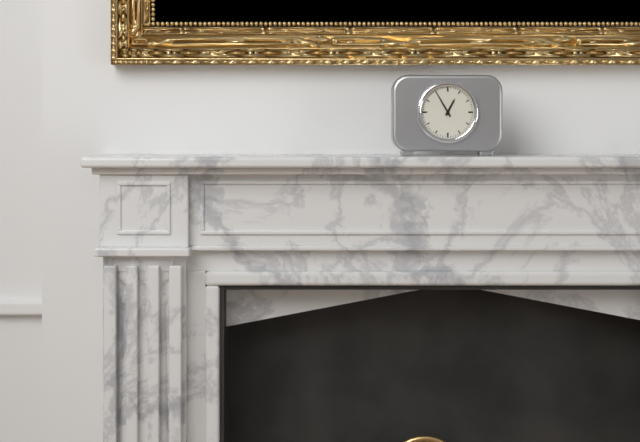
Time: **12:55**
